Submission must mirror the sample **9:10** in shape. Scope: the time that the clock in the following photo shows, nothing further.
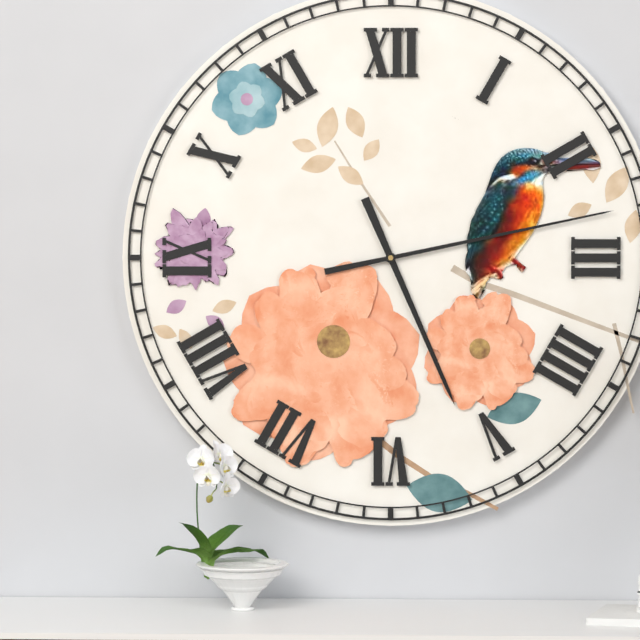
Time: **5:13**
